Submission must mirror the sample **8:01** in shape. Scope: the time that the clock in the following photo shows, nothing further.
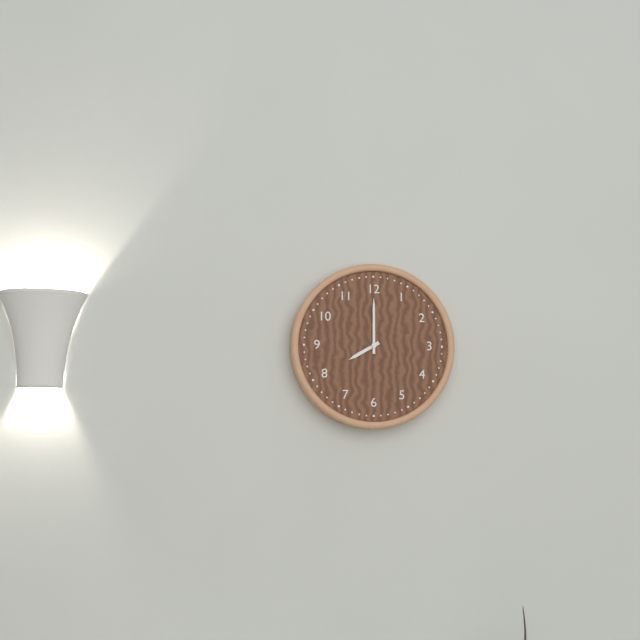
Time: **8:00**
